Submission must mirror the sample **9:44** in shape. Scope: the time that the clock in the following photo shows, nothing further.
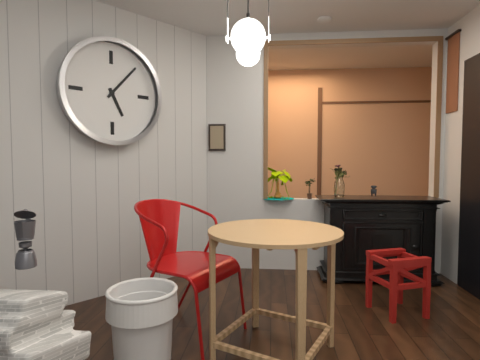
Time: **5:07**
